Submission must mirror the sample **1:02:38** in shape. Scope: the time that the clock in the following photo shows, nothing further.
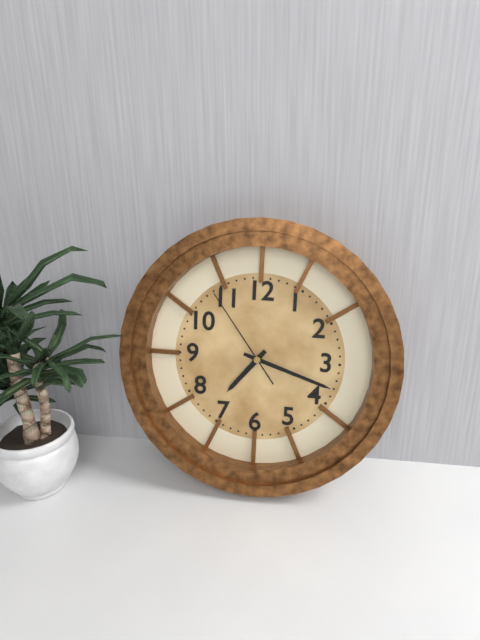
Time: **7:18:54**
